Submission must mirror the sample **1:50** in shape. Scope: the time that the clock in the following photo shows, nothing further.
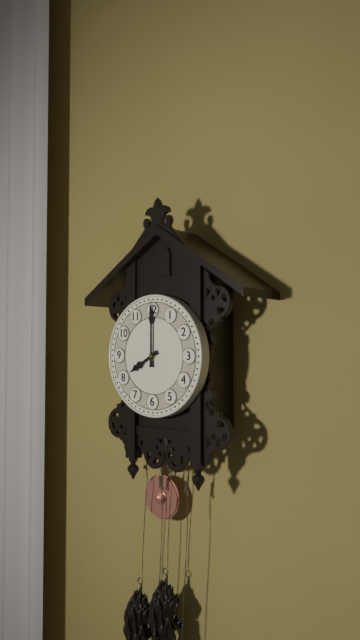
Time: **8:00**
